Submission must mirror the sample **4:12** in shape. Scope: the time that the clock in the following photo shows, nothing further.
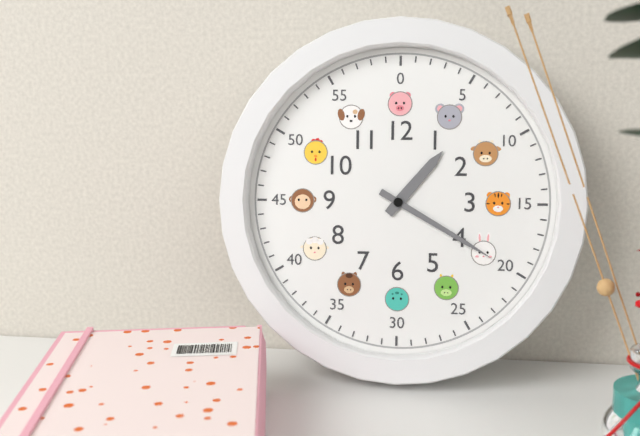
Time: **1:20**
